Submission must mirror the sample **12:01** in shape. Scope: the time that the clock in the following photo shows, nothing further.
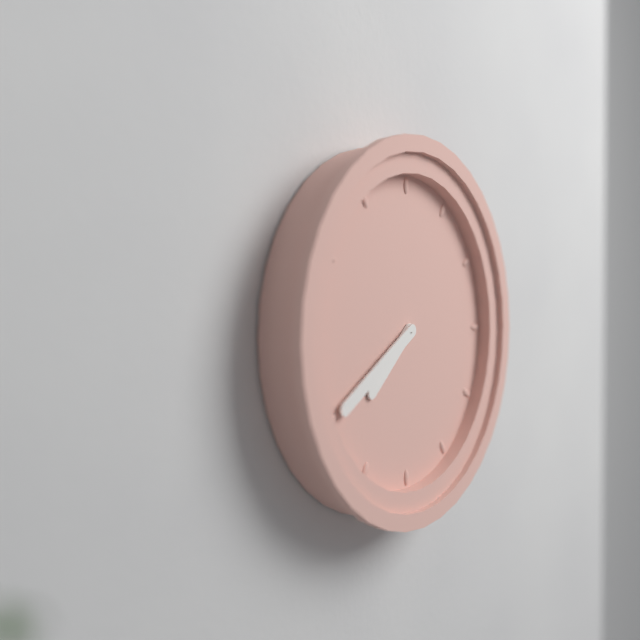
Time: **7:40**
